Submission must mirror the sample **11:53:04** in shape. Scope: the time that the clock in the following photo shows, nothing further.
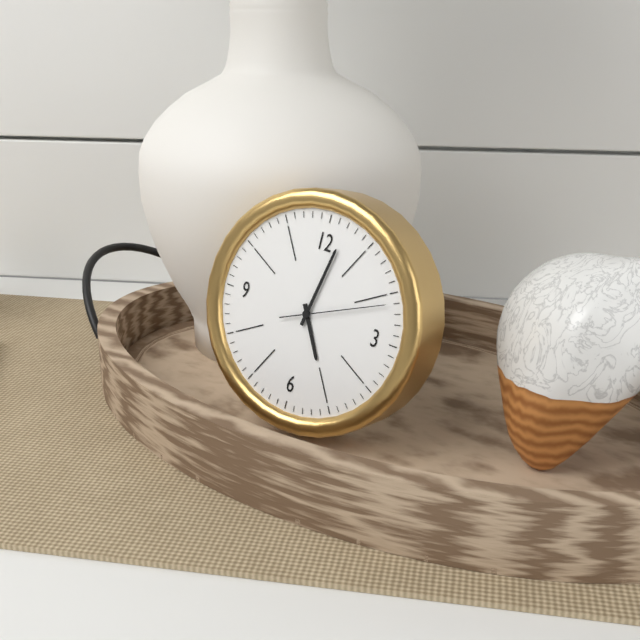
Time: **5:02:11**
